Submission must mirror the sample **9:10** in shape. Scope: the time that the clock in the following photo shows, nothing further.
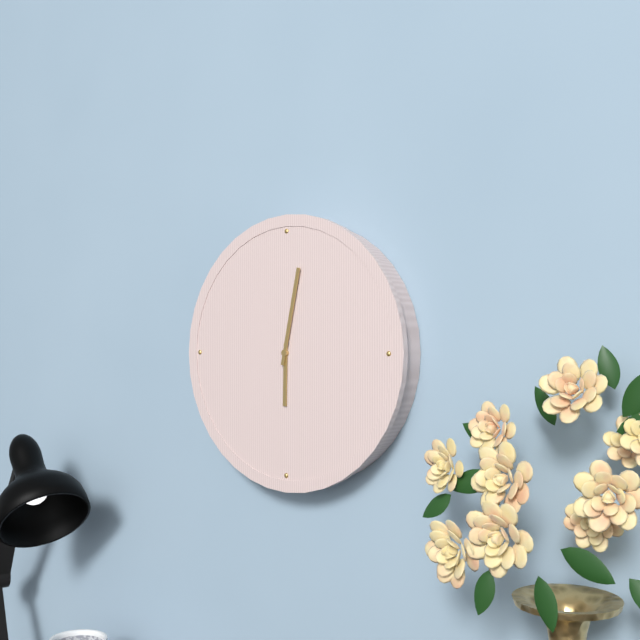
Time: **6:02**
